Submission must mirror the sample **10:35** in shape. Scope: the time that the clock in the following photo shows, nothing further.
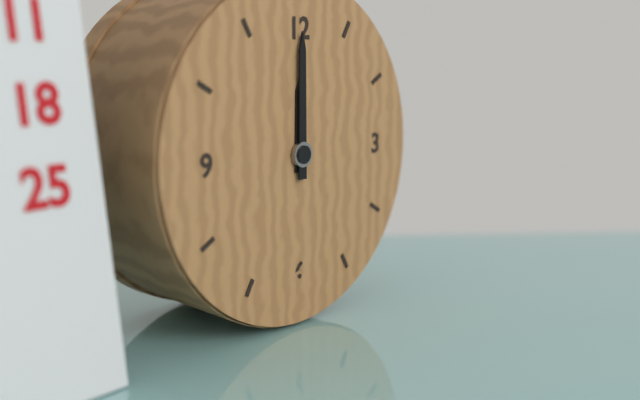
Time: **12:00**
